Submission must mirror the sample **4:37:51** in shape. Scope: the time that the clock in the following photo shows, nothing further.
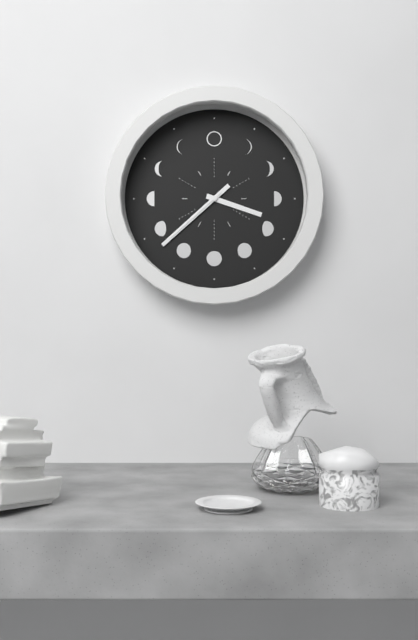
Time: **3:38:38**
